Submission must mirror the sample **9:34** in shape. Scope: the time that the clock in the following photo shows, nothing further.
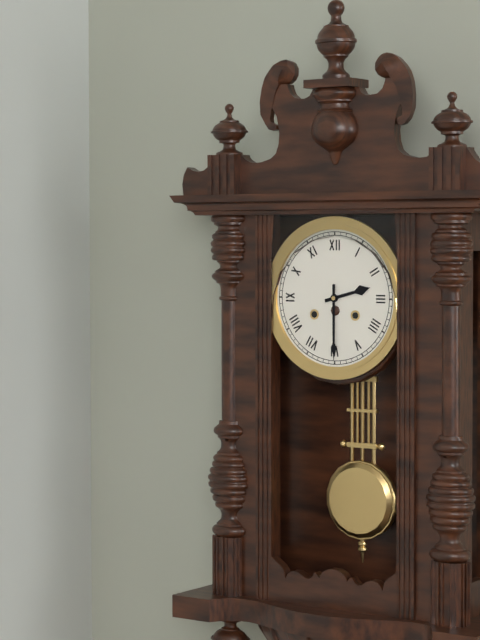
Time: **2:30**
